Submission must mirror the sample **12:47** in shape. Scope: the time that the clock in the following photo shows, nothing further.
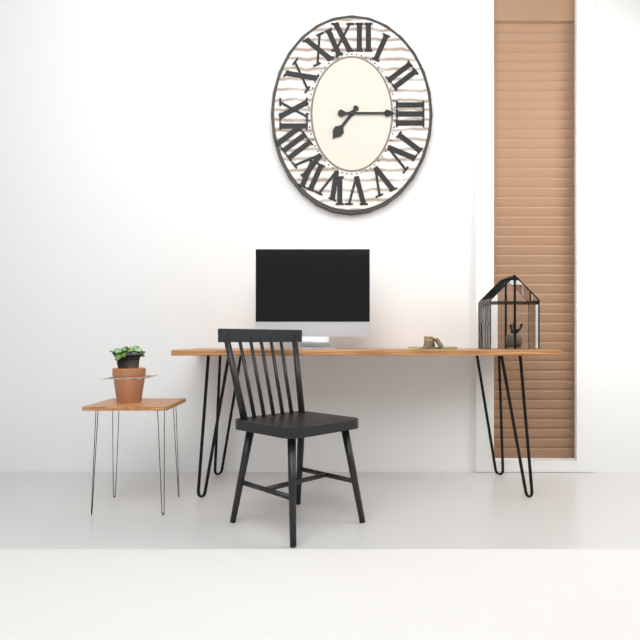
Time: **7:15**
